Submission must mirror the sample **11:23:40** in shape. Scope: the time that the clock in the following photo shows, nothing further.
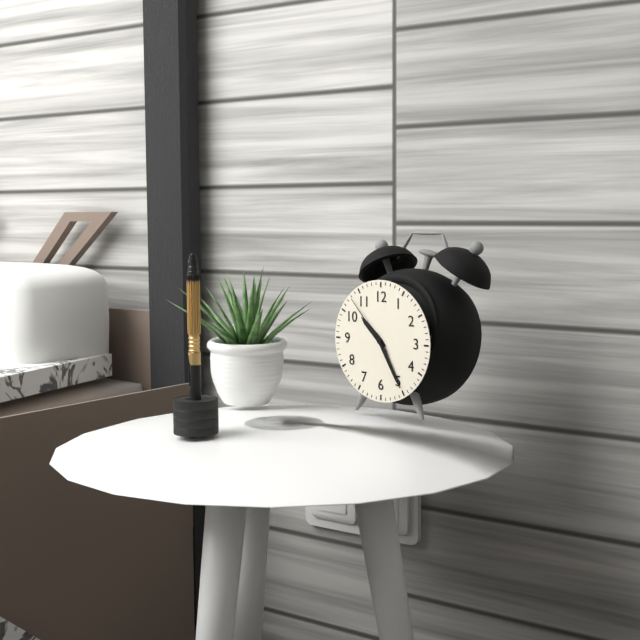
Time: **10:25:53**
